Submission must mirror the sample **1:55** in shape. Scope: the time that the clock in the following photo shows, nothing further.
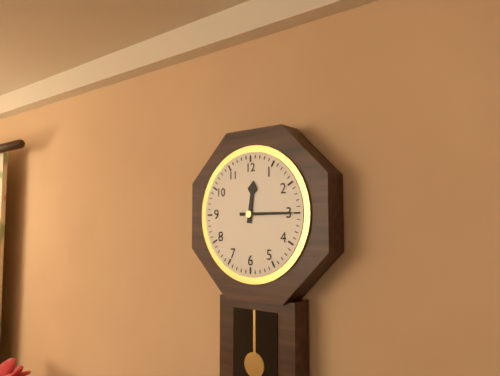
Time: **12:15**
